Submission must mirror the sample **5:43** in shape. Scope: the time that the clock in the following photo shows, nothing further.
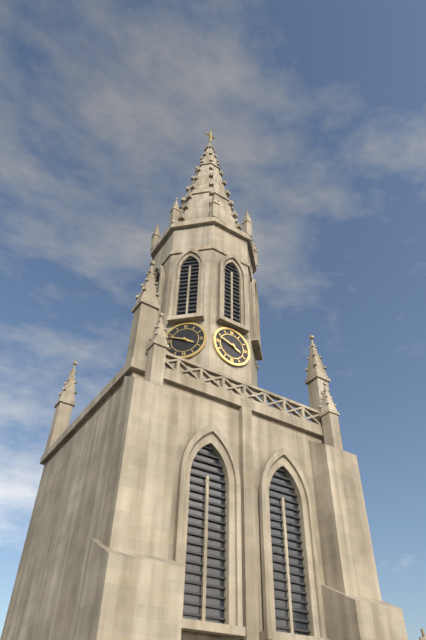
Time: **3:48**
